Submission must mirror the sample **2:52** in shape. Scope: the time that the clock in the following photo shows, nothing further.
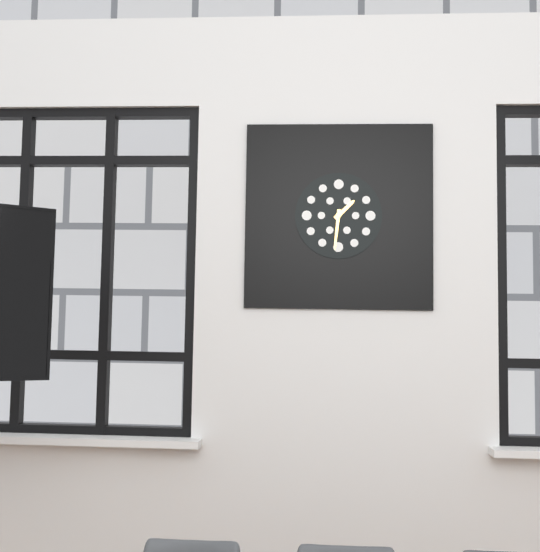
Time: **1:31**
